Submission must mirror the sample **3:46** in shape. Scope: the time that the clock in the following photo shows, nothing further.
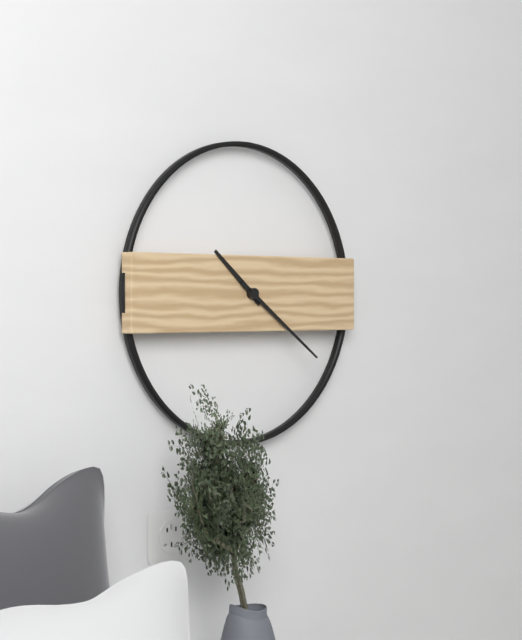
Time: **10:21**
